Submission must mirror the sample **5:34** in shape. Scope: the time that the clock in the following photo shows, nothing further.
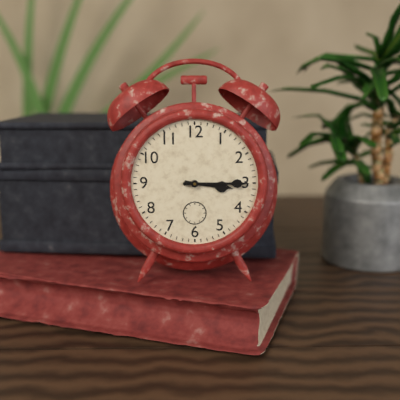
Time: **3:15**
